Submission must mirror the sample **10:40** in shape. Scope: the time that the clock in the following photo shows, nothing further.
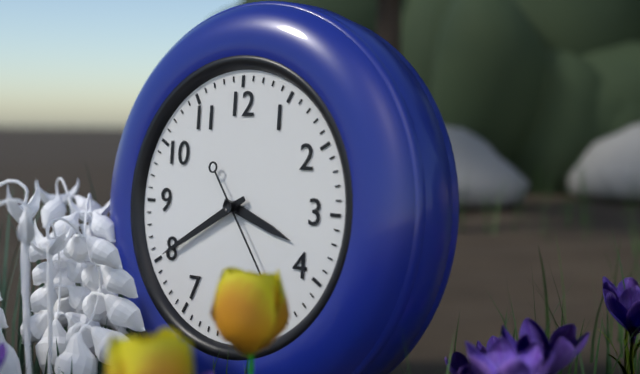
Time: **3:40**
